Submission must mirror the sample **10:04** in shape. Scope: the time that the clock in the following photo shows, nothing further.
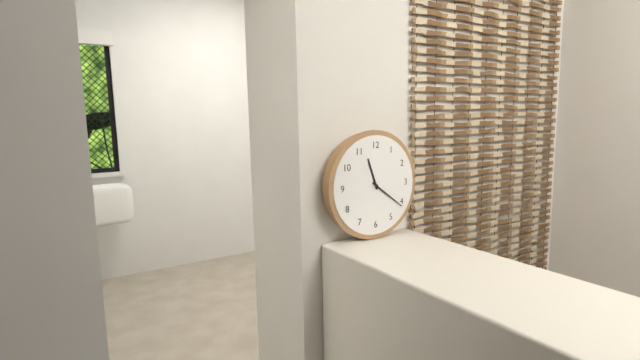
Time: **11:21**
